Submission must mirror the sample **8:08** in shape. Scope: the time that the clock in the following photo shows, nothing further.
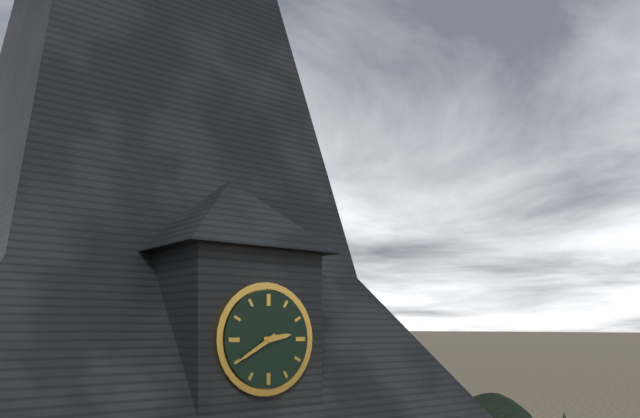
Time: **2:40**
